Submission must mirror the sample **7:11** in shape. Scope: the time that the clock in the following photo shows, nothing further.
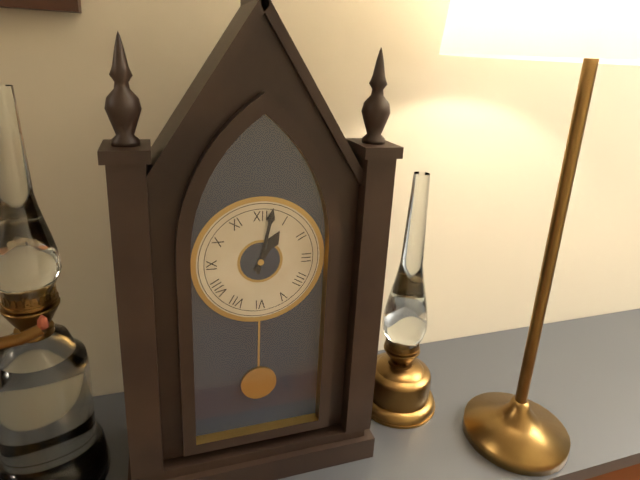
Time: **1:02**
